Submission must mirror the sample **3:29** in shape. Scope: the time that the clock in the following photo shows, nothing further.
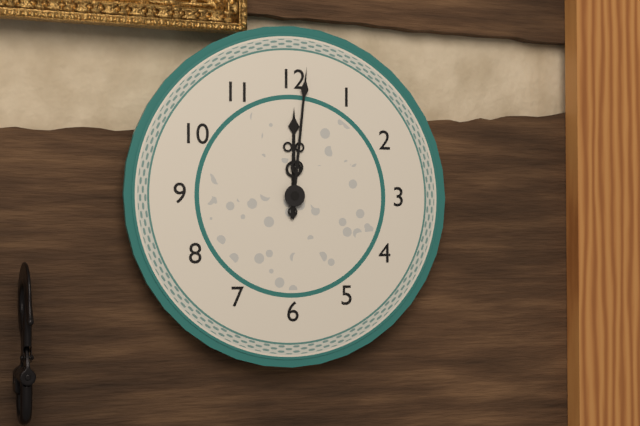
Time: **12:01**
